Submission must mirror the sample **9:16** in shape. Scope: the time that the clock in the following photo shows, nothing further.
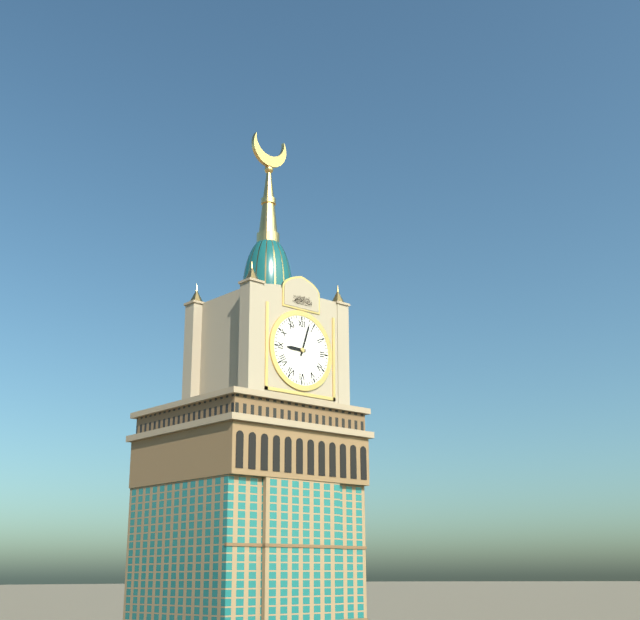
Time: **9:03**
